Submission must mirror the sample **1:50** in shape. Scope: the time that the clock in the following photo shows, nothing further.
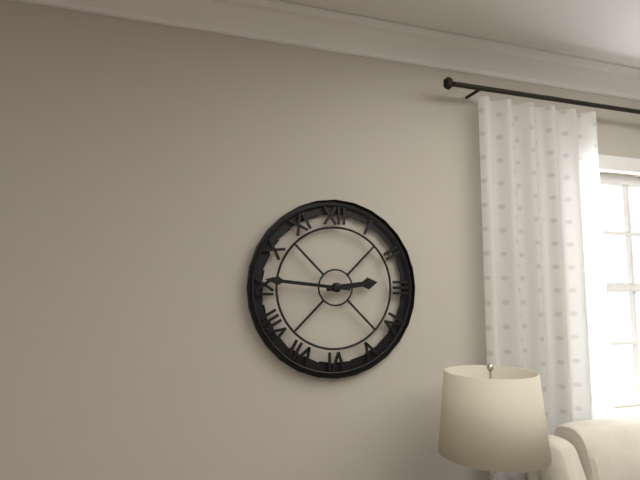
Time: **2:46**
